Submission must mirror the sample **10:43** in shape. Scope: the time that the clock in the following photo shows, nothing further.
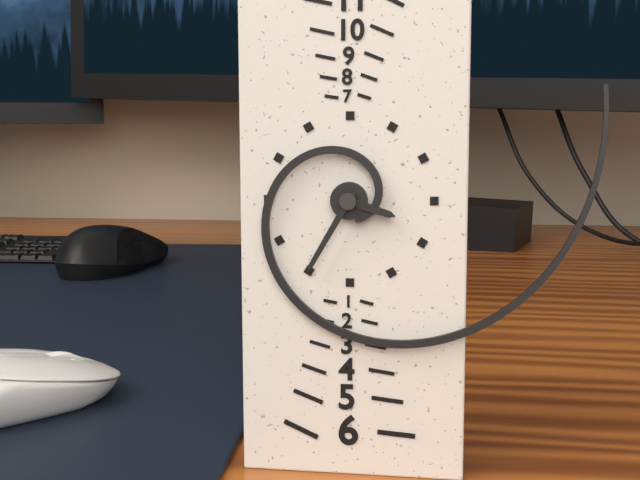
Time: **3:35**
